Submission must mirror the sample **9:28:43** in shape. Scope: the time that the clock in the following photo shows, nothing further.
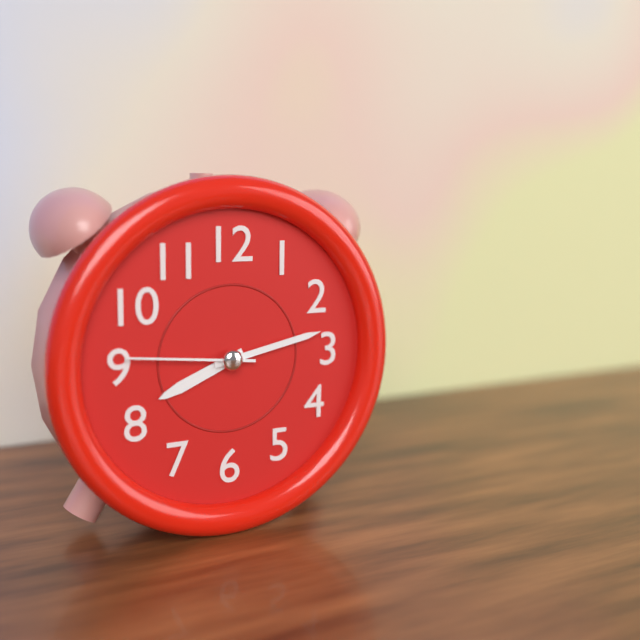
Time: **8:13:46**
